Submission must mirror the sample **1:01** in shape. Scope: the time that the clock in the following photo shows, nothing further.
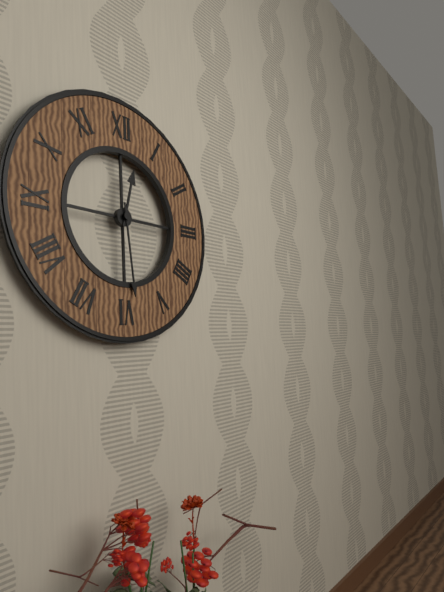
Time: **12:29**
